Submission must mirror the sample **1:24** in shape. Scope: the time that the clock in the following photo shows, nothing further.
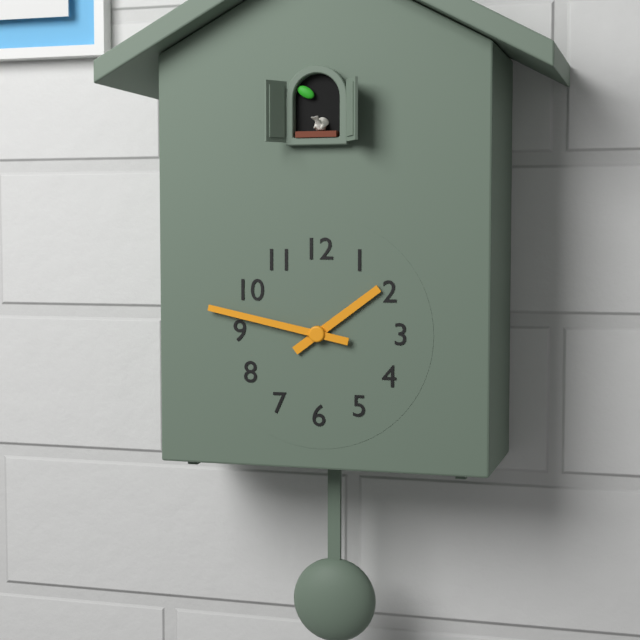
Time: **1:47**
